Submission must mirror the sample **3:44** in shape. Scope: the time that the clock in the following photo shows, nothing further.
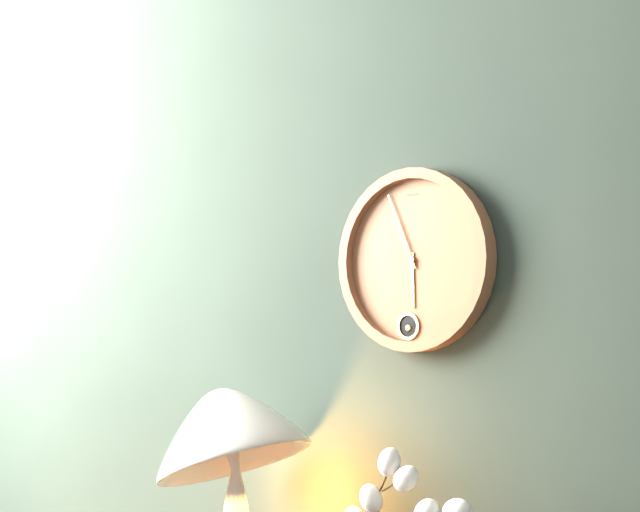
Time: **5:56**
